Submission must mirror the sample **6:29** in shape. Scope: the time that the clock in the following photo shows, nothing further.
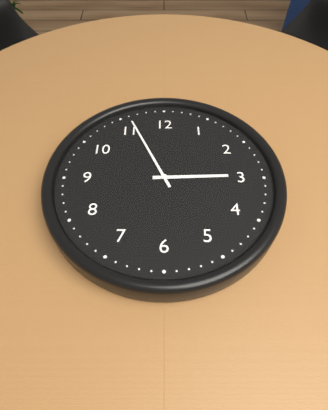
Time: **2:56**
